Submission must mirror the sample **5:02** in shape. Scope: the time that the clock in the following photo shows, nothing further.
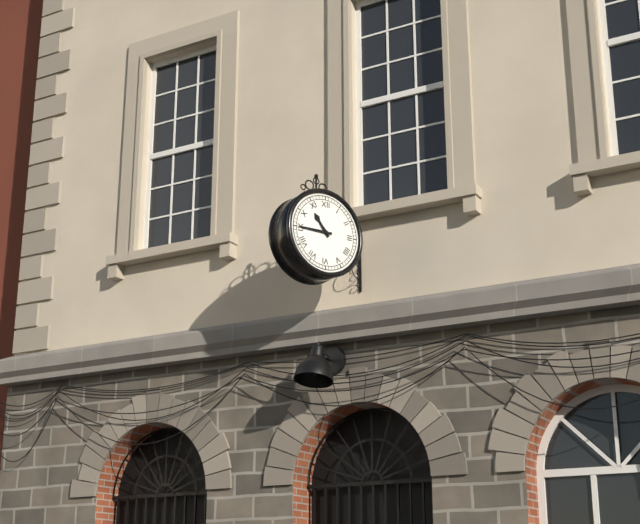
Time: **10:45**
